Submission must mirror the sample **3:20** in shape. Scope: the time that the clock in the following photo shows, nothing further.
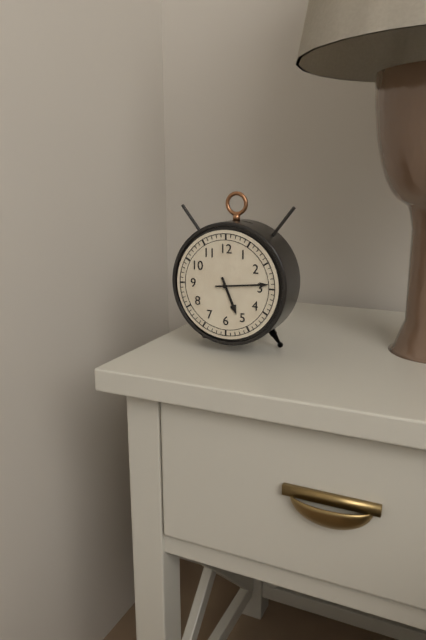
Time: **5:14**
